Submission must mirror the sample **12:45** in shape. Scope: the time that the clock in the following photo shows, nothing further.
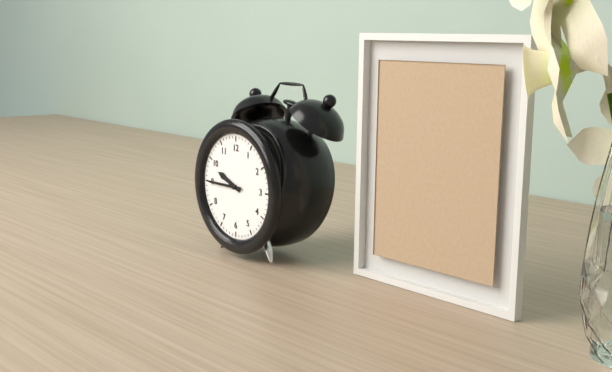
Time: **9:45**
